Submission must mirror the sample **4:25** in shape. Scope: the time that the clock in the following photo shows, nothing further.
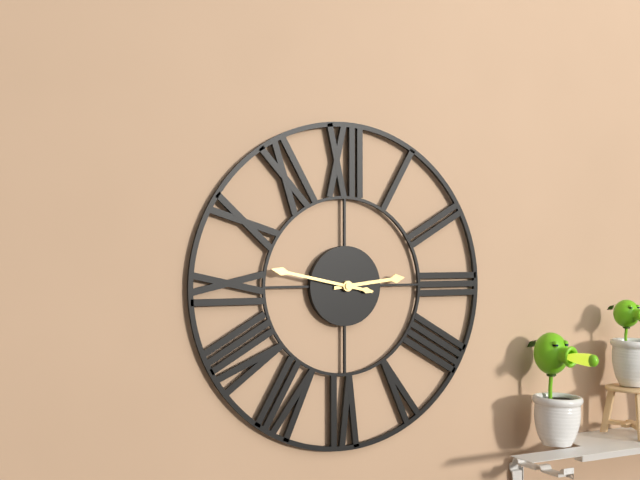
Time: **2:47**
